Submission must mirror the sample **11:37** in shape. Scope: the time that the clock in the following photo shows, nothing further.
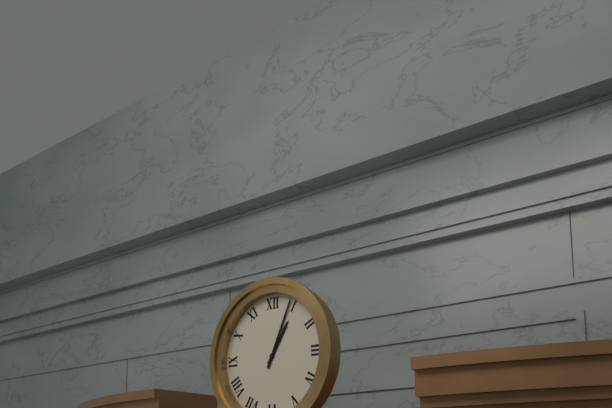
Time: **1:04**
